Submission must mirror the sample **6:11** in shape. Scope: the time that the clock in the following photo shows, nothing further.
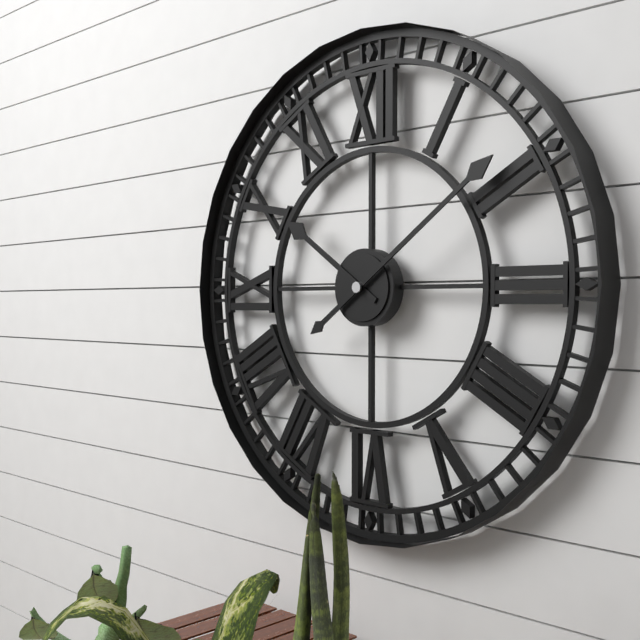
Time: **10:09**
